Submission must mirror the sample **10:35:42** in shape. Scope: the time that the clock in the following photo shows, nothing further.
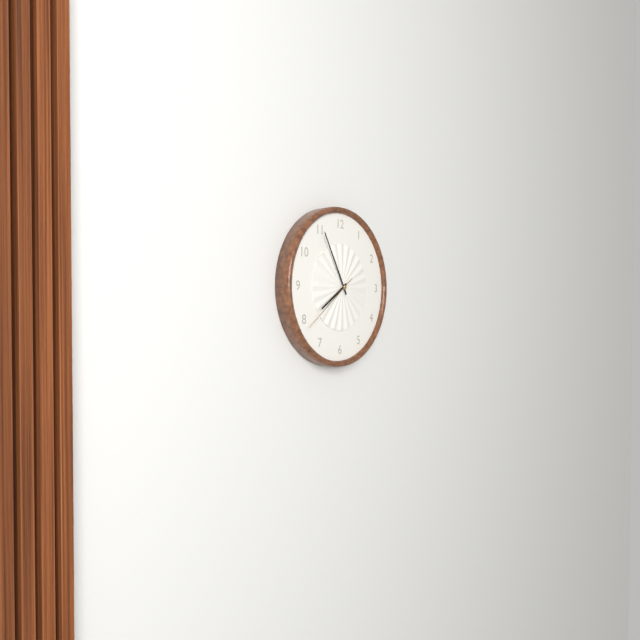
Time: **7:55:39**
